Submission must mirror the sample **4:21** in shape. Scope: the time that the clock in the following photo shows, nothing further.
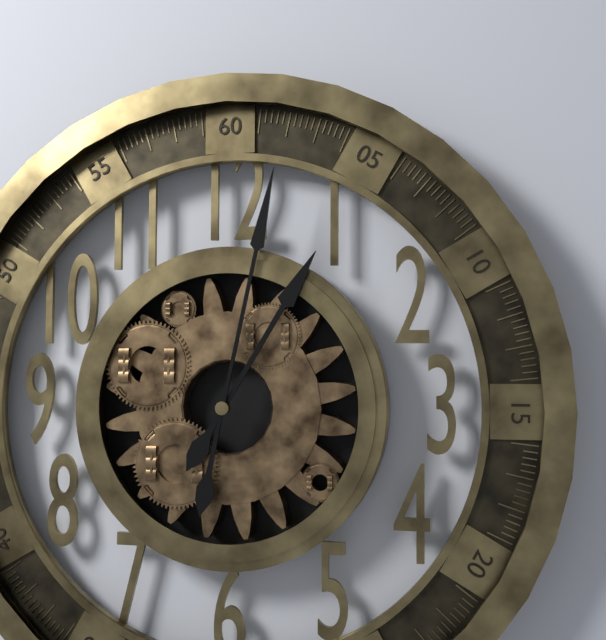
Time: **1:02**
